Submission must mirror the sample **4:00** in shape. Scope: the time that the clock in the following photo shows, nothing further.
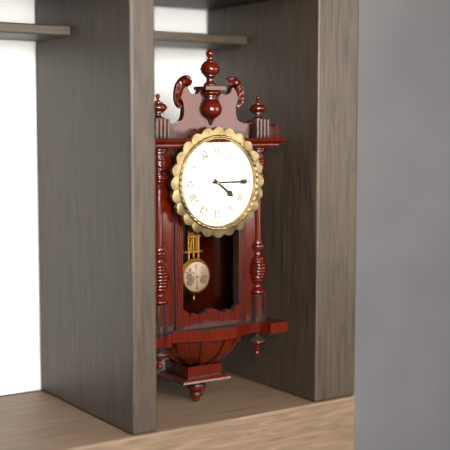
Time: **4:15**
